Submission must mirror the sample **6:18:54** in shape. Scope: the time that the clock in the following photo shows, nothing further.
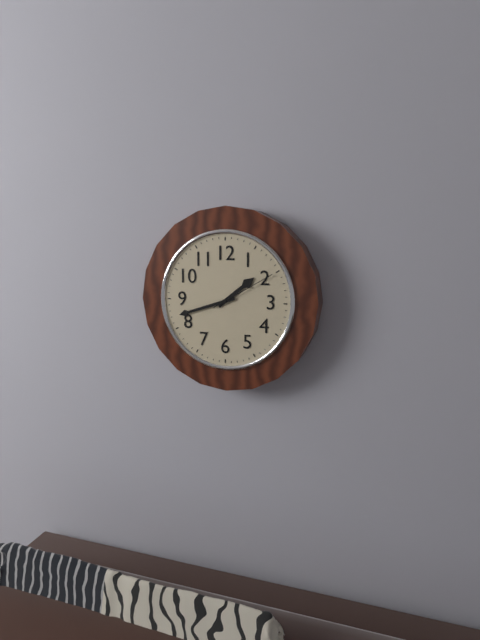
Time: **1:42:10**
